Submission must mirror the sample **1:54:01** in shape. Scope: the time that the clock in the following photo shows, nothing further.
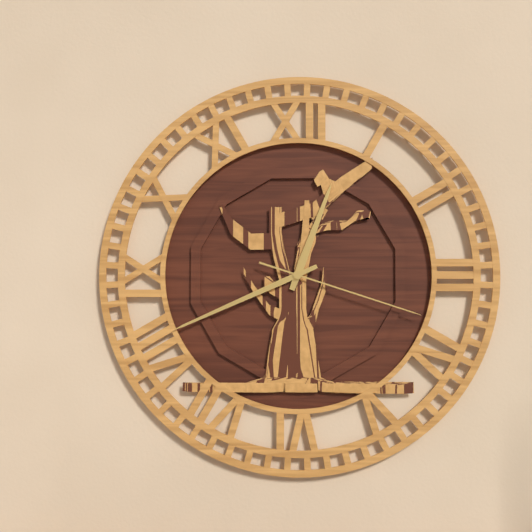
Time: **12:41:18**
